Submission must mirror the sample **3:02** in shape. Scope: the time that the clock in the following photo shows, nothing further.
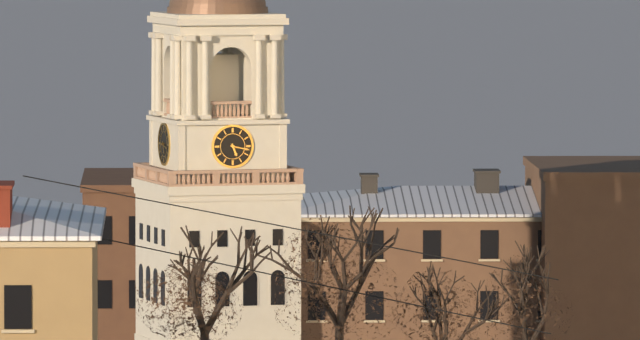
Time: **5:17**
